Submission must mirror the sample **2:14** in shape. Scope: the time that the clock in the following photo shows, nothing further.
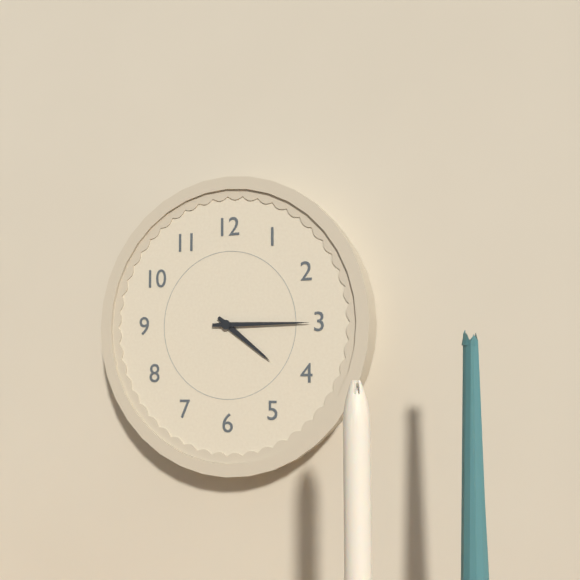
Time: **4:15**
